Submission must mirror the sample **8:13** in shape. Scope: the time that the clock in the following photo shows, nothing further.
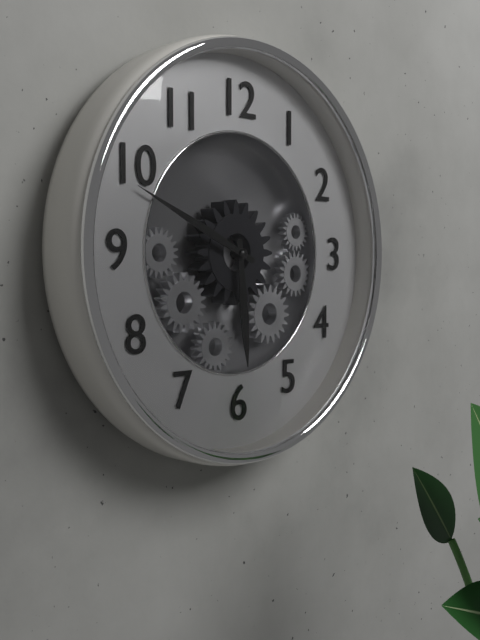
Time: **5:49**
